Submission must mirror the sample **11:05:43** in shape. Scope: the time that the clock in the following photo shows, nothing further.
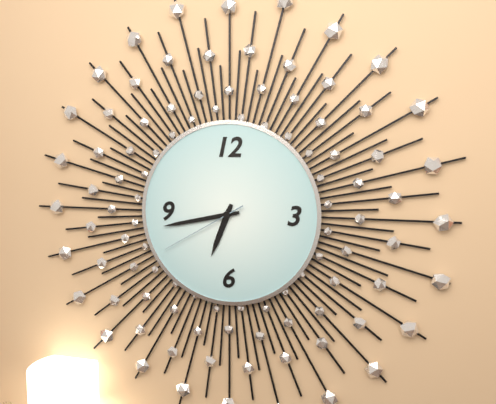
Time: **6:43:40**
